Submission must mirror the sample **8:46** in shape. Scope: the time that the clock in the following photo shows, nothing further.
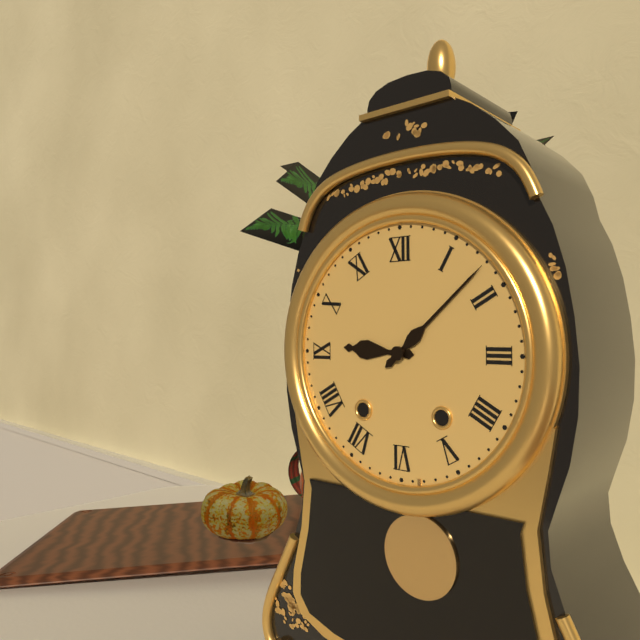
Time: **9:08**
